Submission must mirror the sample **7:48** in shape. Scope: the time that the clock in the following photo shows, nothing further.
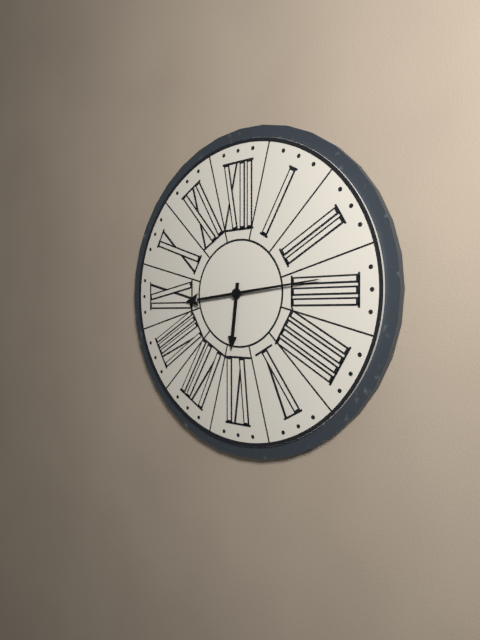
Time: **6:14**
